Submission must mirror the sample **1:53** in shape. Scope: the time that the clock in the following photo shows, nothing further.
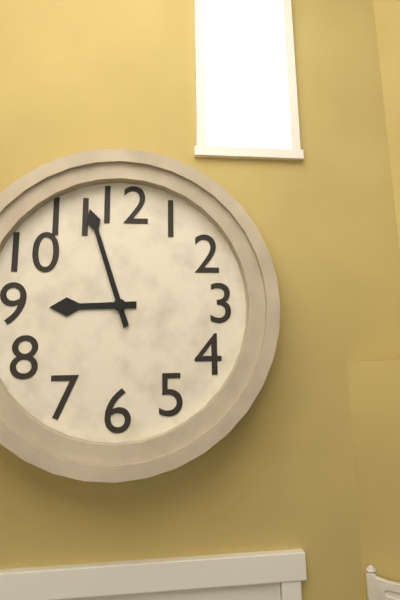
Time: **8:57**
